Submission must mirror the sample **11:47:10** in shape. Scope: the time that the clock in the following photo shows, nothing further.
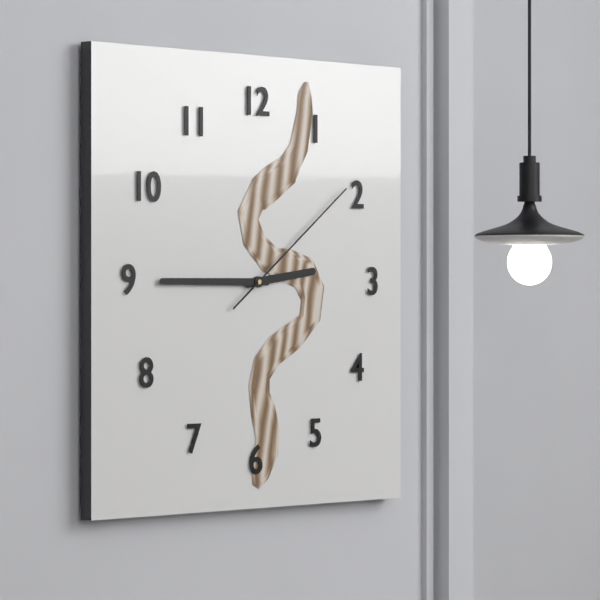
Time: **2:45:09**
